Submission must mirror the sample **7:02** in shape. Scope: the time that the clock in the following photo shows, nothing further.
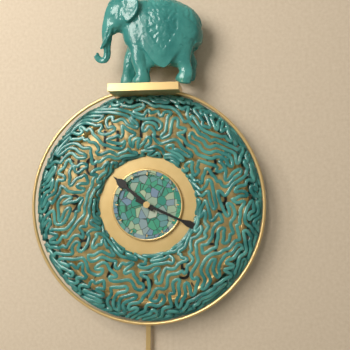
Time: **10:19**
